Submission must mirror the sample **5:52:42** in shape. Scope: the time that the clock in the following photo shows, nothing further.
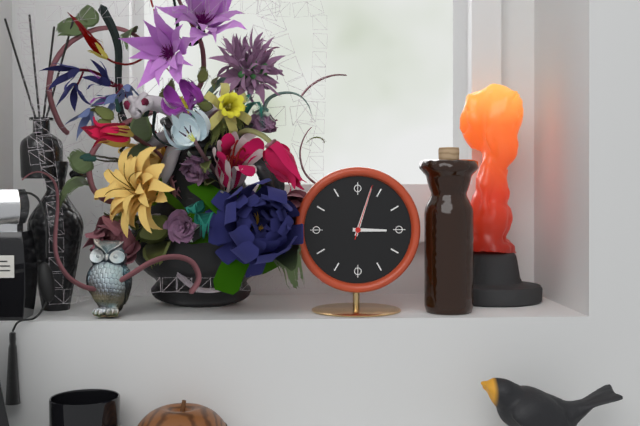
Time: **3:03:03**
